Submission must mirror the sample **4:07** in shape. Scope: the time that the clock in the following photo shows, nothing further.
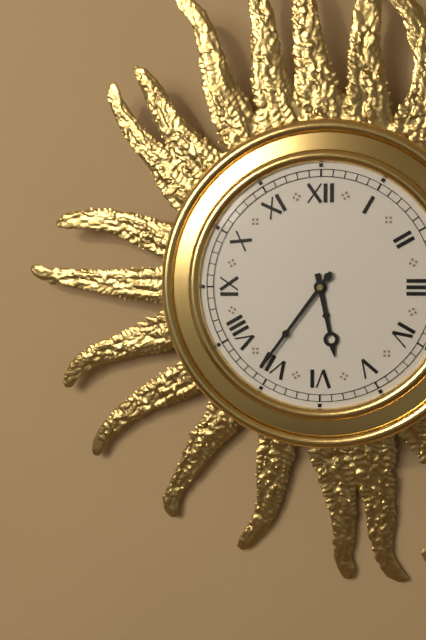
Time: **5:36**
